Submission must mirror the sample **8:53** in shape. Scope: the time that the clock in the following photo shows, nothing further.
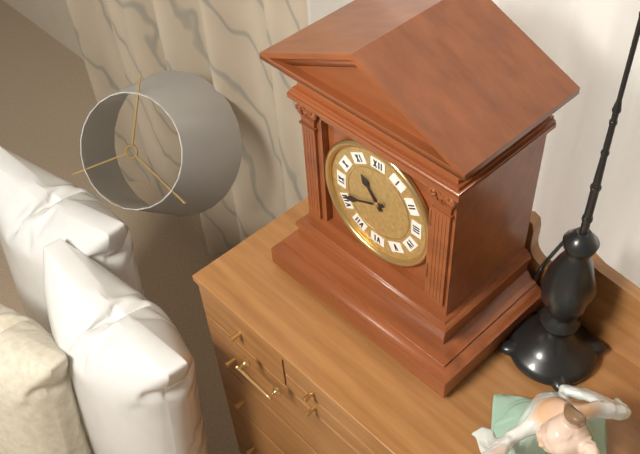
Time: **10:41**
